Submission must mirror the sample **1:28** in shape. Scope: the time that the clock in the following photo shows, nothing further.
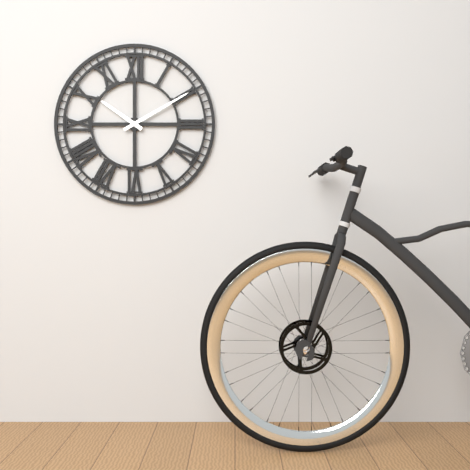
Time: **10:10**
